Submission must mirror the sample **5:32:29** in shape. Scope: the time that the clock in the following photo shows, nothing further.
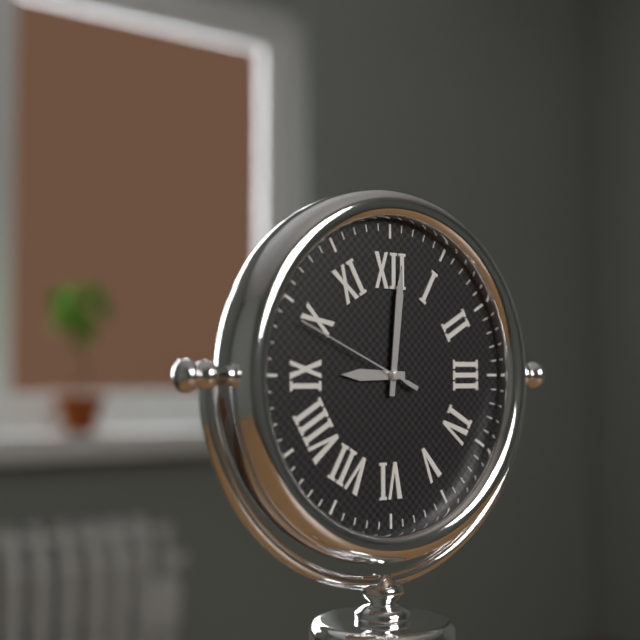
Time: **9:01:49**
